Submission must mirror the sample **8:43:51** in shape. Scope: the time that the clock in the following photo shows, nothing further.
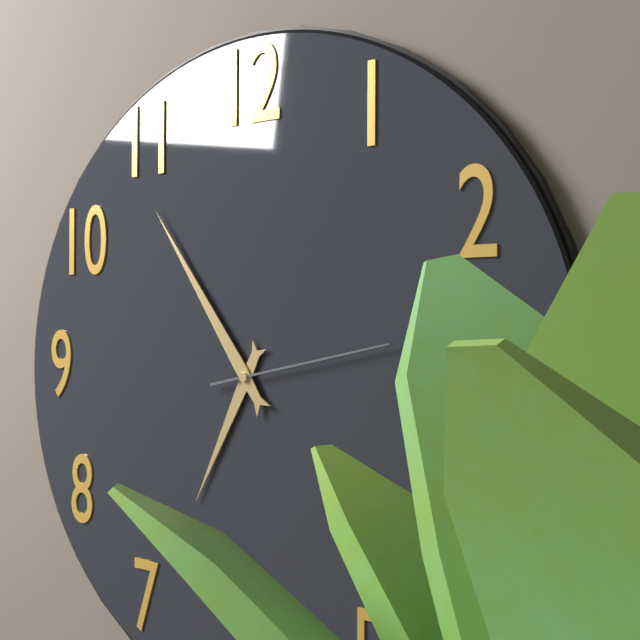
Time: **6:54:13**
